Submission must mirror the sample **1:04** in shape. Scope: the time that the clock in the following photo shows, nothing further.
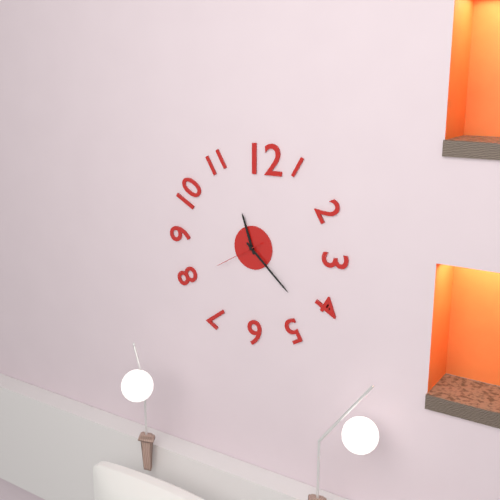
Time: **11:22**
